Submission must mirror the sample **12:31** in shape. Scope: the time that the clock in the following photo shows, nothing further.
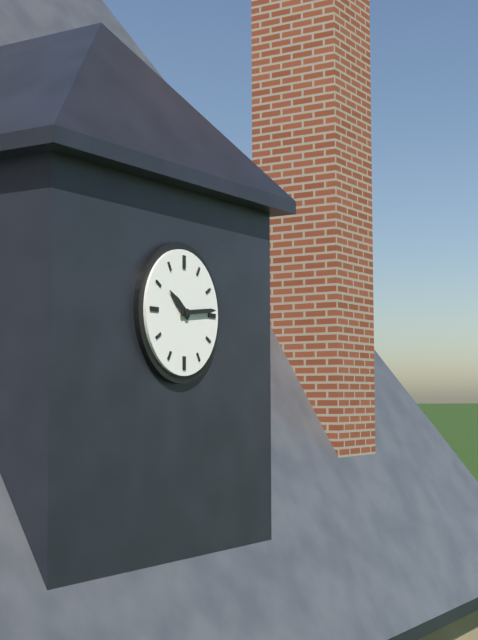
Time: **10:14**
